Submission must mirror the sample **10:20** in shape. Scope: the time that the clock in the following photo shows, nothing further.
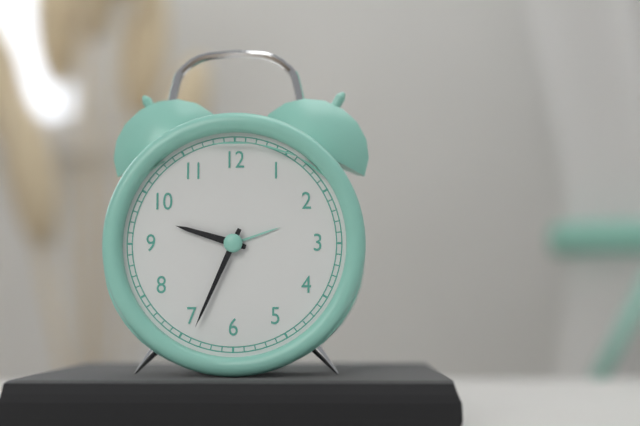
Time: **9:34**
